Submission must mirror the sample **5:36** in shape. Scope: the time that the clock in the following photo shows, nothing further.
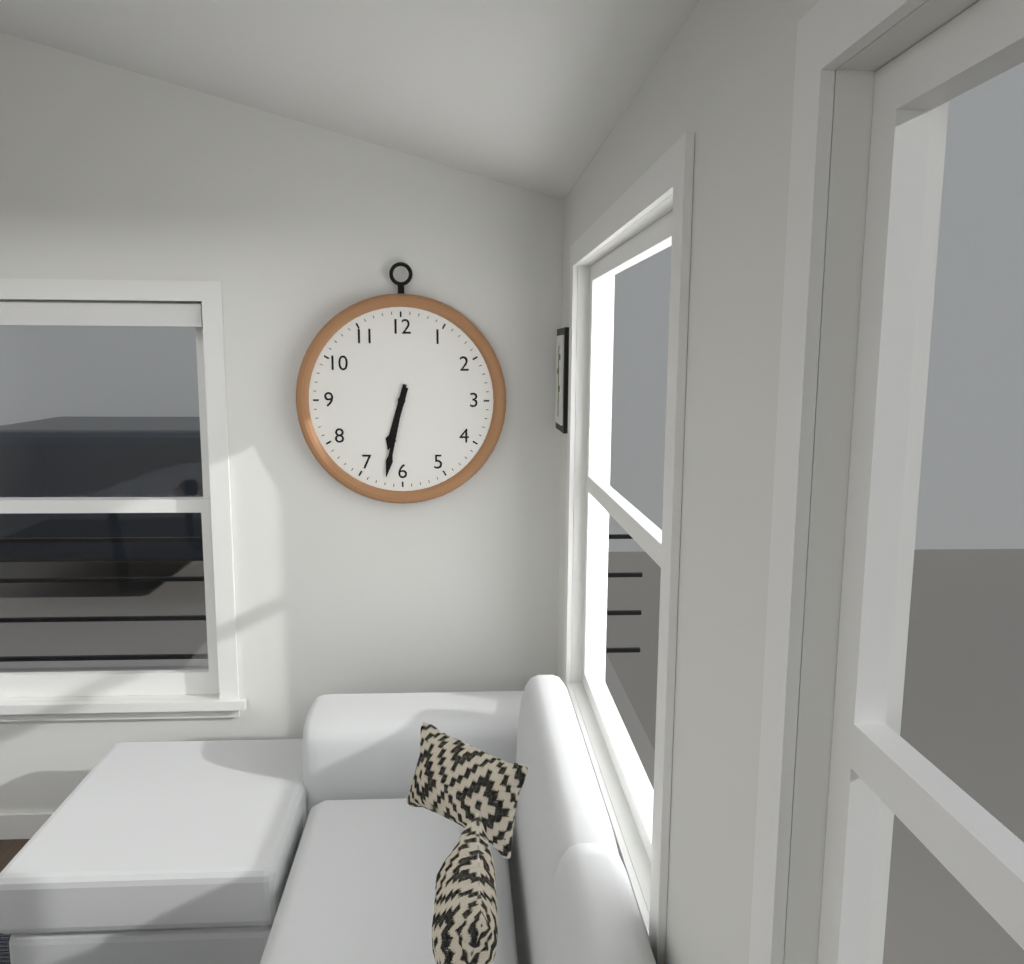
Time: **6:32**
